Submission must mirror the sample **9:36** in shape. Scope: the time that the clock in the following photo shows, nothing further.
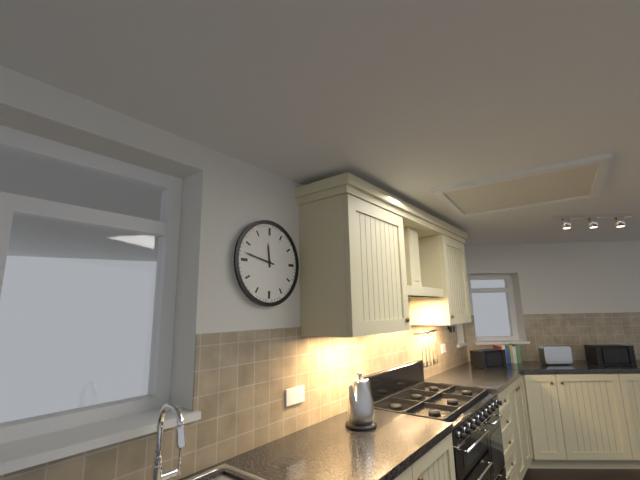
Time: **11:47**
